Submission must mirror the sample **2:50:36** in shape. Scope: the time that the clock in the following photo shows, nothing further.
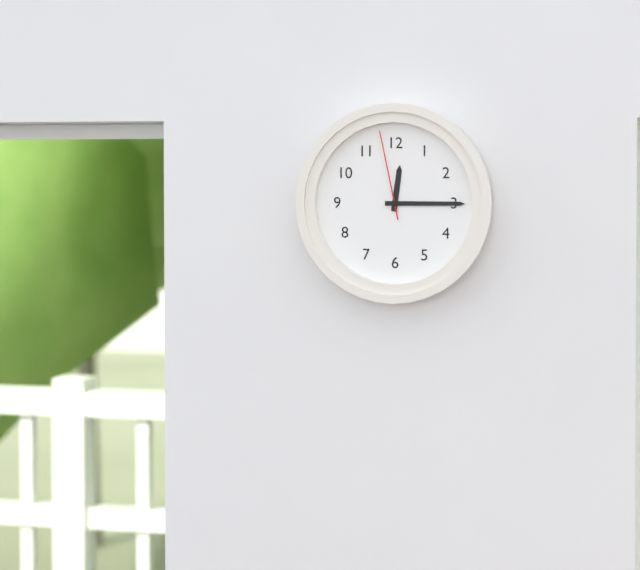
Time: **12:15:58**
